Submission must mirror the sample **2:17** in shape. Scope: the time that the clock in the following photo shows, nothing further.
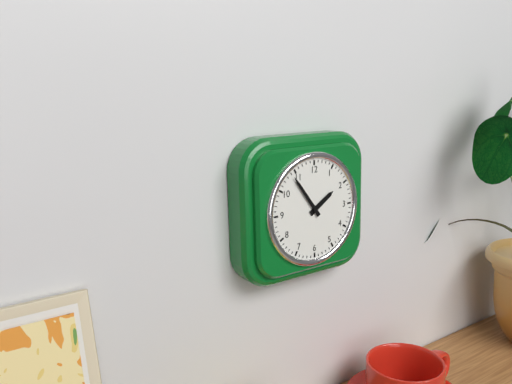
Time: **1:54**
